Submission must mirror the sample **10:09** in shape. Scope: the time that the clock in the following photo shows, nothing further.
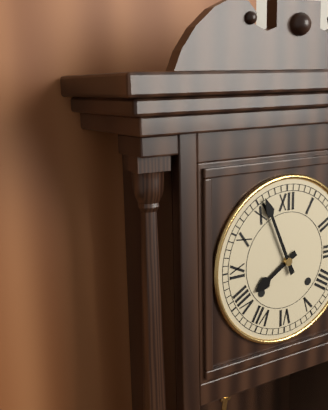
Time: **7:56**
